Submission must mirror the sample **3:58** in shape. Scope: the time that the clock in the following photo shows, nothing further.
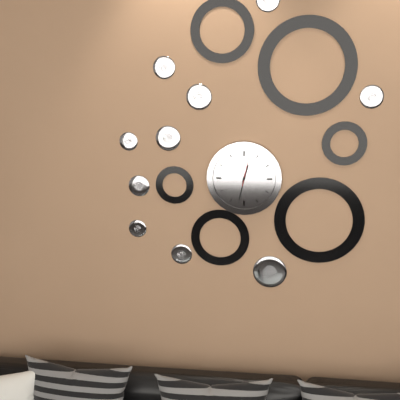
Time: **12:32**
